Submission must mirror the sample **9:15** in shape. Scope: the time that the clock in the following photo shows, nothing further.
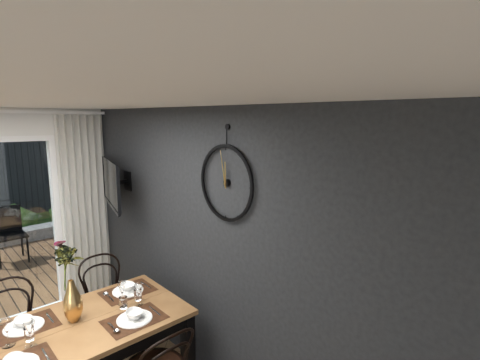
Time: **11:58**
